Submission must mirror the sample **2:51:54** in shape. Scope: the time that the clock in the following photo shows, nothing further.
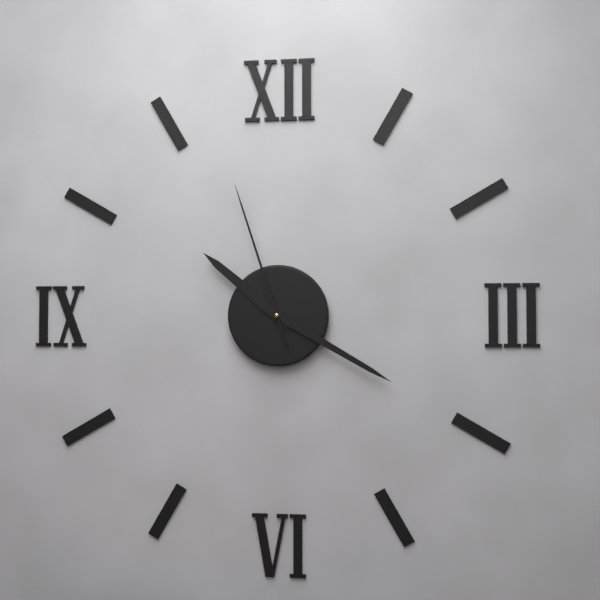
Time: **10:20:57**
